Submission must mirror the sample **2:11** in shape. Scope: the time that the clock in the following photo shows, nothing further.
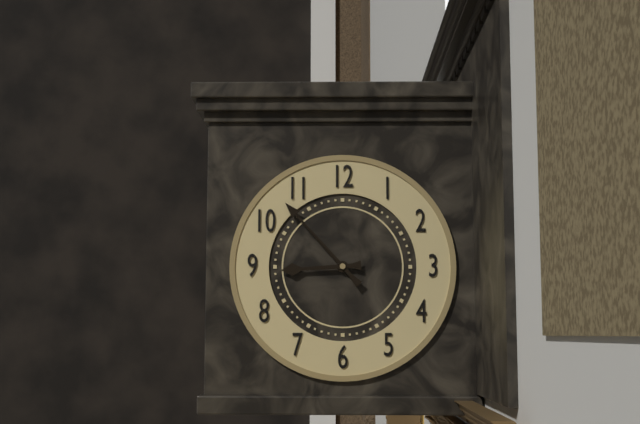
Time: **8:53**
